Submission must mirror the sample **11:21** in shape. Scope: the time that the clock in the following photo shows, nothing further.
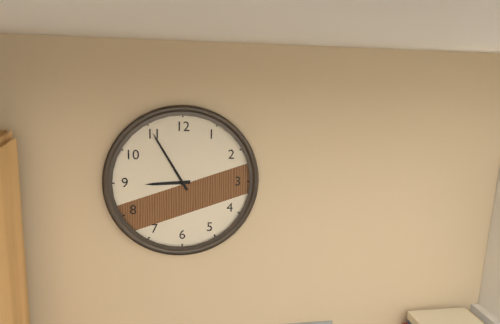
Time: **8:55**
